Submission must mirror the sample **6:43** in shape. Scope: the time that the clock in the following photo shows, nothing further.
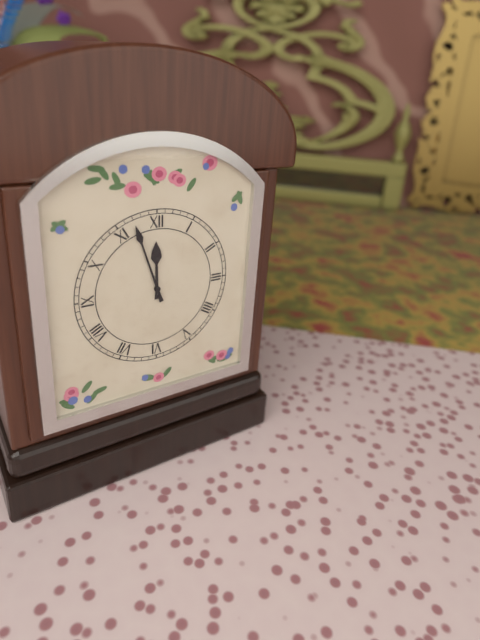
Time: **11:57**
